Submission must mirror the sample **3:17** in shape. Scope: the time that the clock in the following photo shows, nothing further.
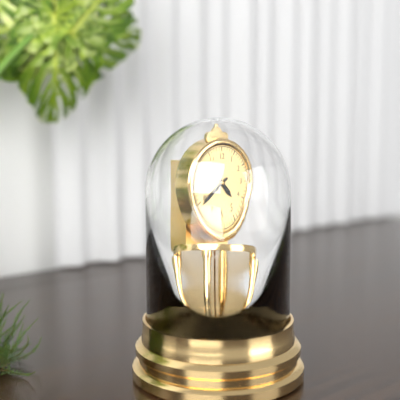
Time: **4:39**
